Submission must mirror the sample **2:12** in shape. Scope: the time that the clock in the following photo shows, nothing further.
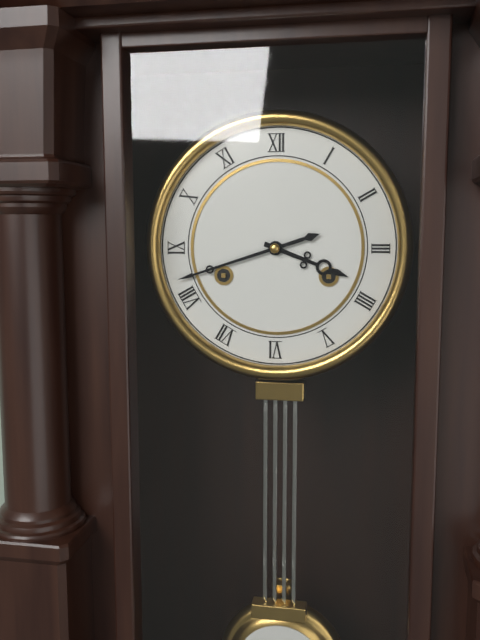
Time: **3:42**
